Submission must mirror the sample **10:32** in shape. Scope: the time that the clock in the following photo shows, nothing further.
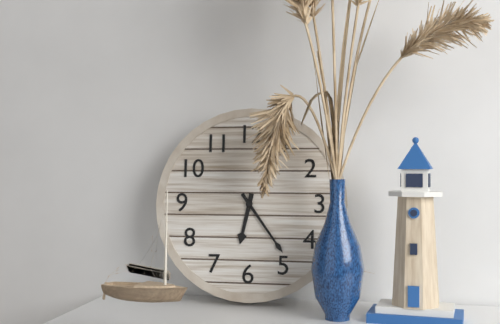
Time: **6:24**
